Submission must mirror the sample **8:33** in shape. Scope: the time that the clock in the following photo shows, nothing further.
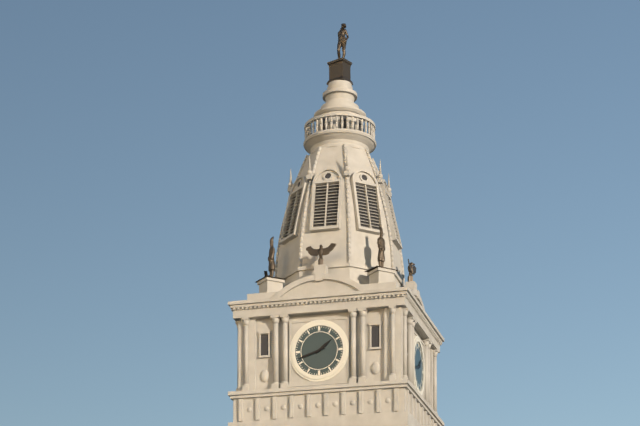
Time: **1:42**
